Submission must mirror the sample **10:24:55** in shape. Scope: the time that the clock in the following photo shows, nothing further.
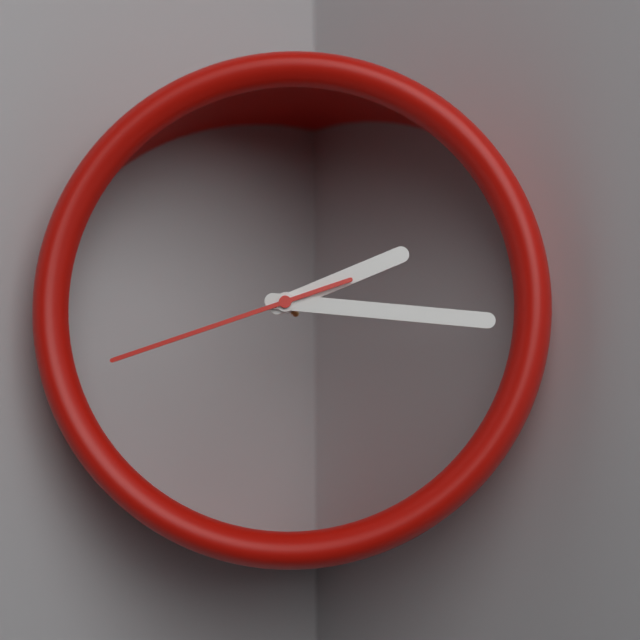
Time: **2:16:42**
